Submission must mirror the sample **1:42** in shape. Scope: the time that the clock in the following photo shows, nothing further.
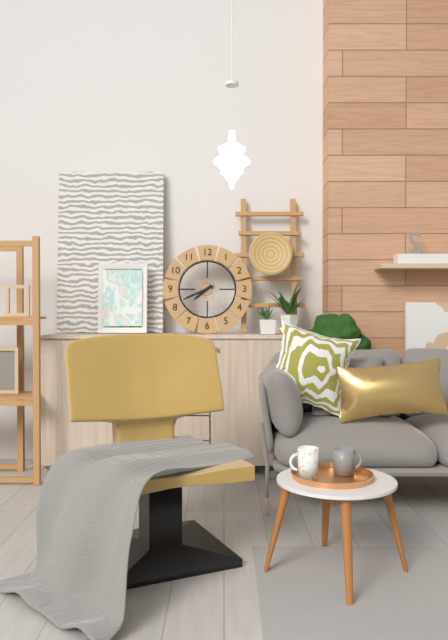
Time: **7:41**
